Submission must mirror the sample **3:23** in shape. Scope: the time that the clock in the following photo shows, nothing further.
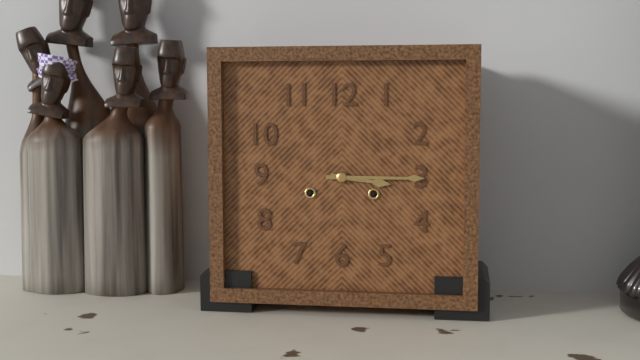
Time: **3:15**
